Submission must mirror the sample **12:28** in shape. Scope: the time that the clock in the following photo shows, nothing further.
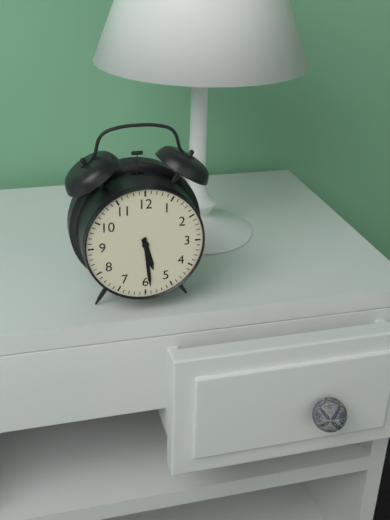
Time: **5:29**
